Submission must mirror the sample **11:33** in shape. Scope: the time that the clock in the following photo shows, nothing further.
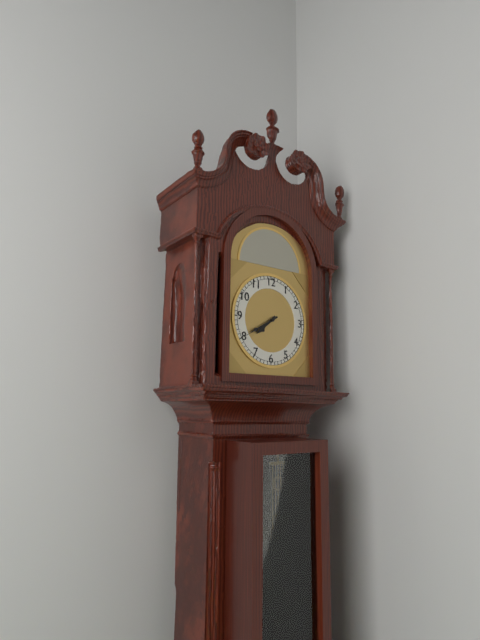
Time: **7:40**
